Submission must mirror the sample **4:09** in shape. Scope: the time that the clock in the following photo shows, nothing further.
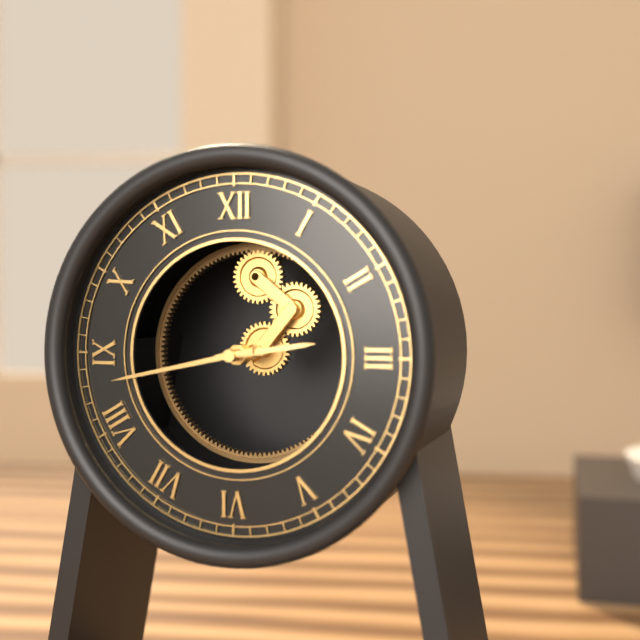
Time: **2:43**
